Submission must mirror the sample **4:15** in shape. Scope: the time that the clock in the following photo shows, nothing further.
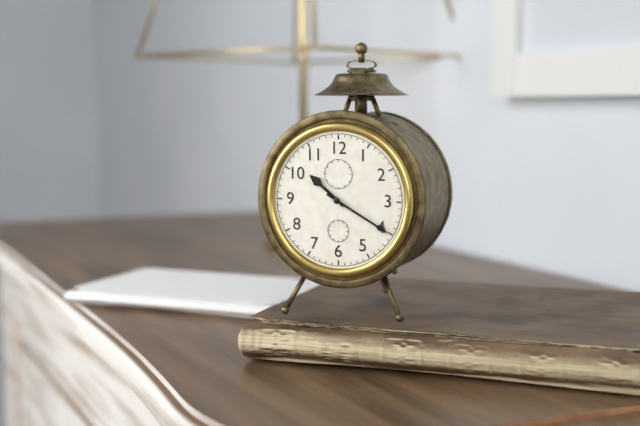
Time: **10:20**
